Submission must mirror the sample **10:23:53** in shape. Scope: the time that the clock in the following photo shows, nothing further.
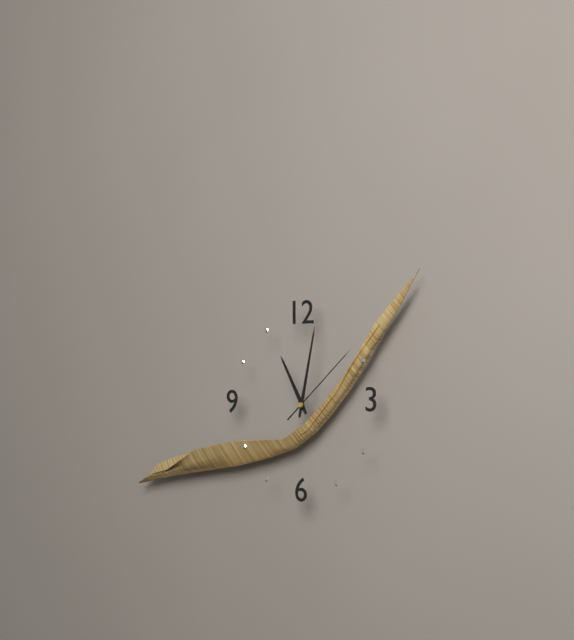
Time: **11:02:08**
